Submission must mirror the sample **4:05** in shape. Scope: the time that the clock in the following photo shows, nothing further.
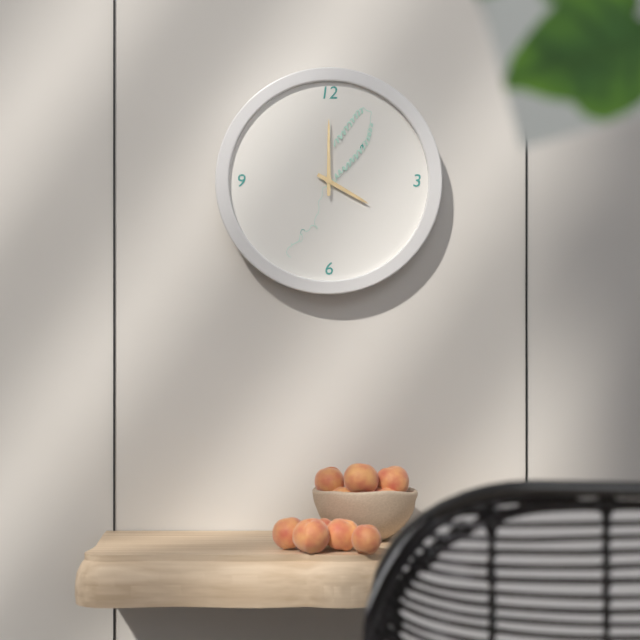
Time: **4:00**
